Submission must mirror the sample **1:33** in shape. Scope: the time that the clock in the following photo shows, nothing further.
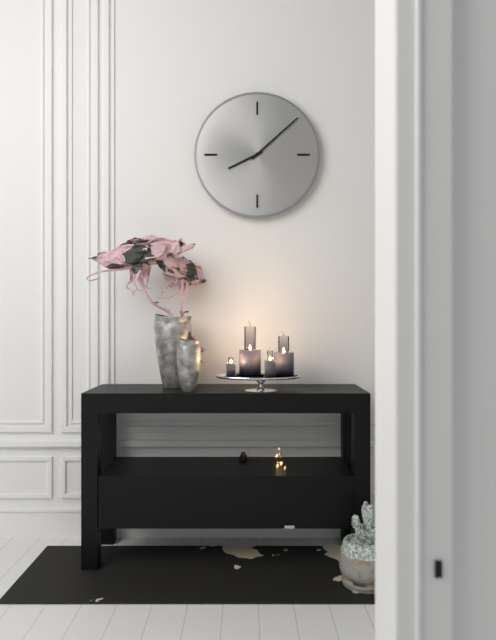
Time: **8:08**
